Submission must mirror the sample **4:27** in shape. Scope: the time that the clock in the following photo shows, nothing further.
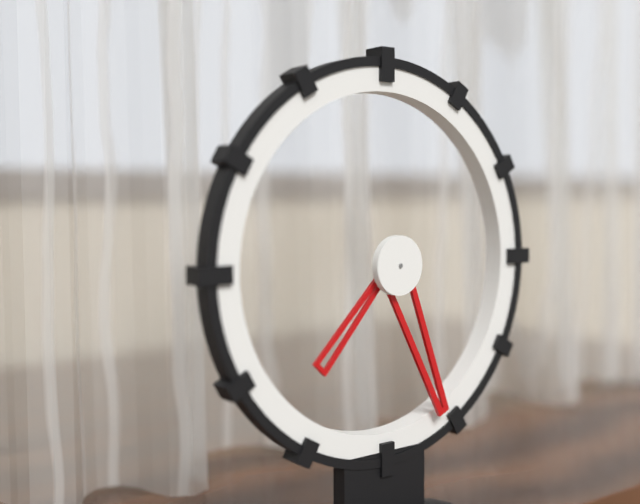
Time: **7:26**
